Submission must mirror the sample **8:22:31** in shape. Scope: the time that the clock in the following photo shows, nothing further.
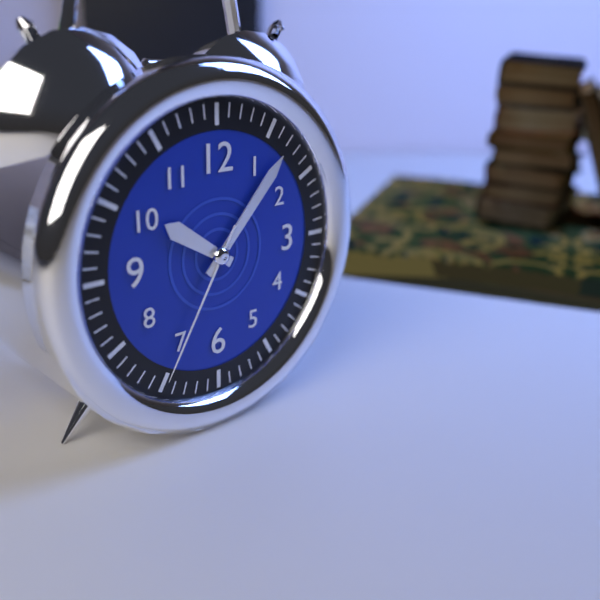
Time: **10:07:35**
